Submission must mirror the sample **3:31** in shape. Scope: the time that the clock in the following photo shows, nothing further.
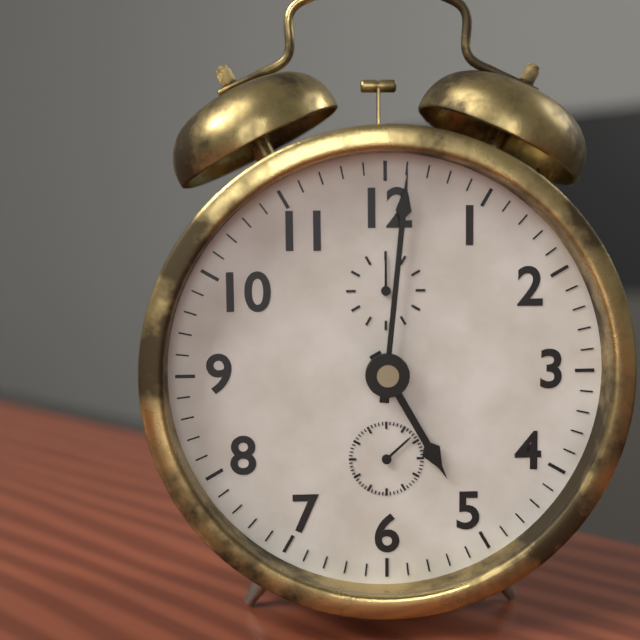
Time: **5:01**
